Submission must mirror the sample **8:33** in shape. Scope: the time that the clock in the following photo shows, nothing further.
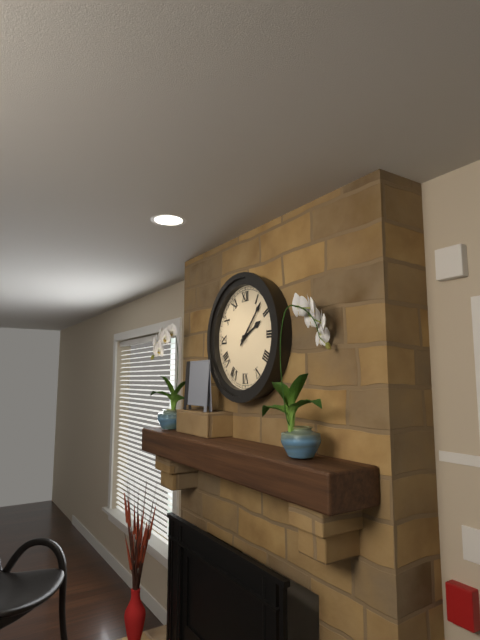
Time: **2:07**
